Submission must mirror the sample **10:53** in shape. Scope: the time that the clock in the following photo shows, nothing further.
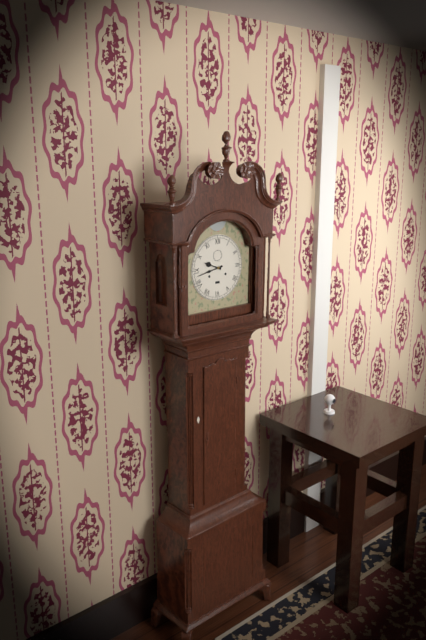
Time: **9:43**
